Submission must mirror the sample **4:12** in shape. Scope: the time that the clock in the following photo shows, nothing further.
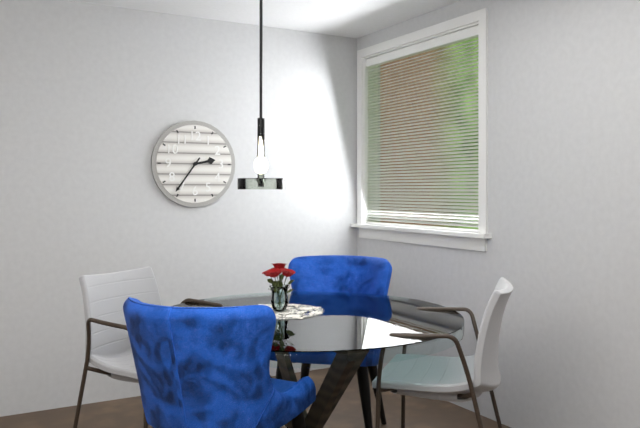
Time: **2:36**
